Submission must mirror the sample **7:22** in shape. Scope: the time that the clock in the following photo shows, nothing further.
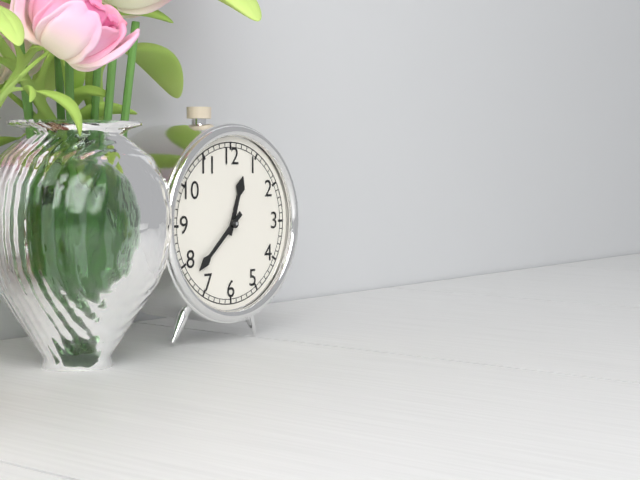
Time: **12:38**
